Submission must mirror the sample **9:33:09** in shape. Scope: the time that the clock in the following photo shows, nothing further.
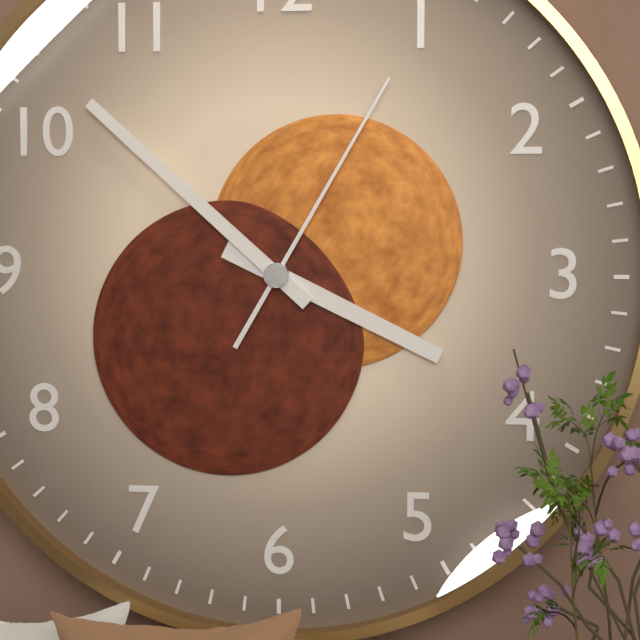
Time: **3:52:05**
